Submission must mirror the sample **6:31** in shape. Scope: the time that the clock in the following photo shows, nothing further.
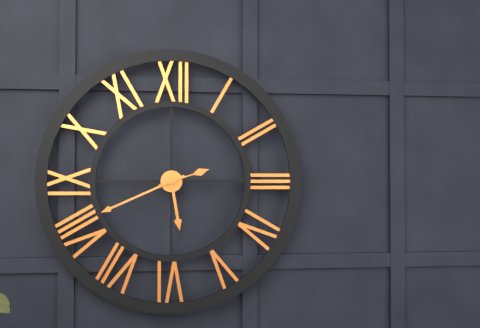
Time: **5:41**
